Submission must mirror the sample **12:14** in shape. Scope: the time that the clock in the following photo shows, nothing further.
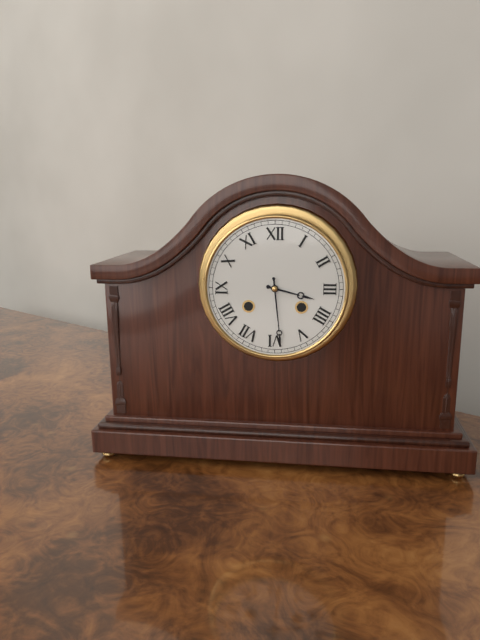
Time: **3:29**
